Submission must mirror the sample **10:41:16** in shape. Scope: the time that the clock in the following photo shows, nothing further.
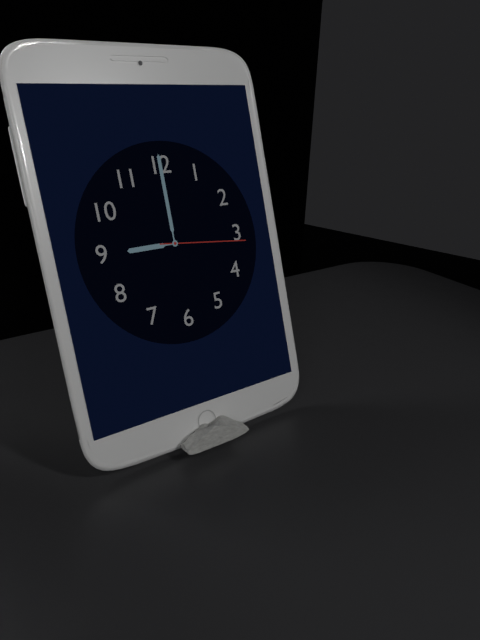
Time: **9:00:16**
